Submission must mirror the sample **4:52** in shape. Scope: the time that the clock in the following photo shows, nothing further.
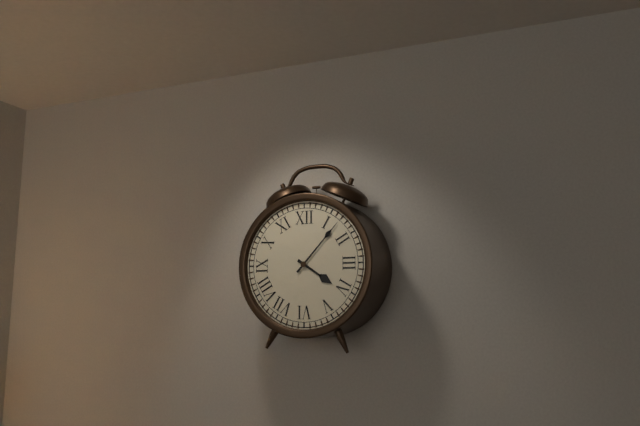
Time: **4:07**
